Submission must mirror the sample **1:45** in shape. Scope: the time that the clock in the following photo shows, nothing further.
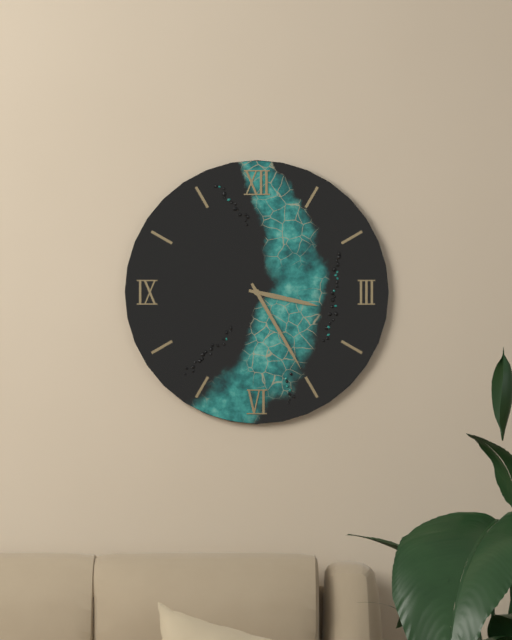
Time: **3:25**
